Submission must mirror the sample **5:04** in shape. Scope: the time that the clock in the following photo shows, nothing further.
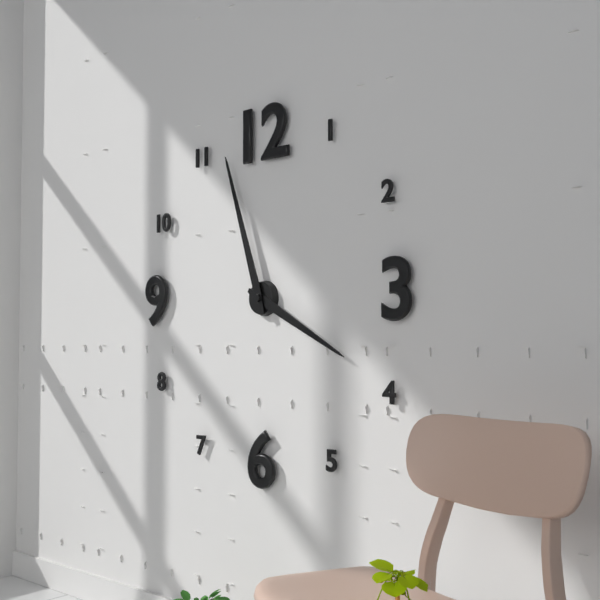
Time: **3:57**
